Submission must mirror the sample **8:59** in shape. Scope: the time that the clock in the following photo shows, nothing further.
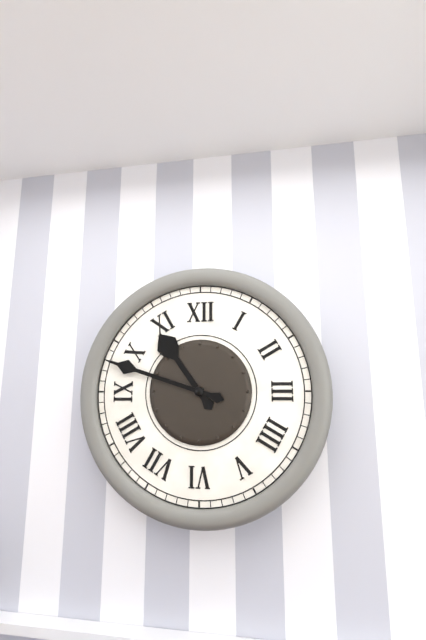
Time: **10:48**
